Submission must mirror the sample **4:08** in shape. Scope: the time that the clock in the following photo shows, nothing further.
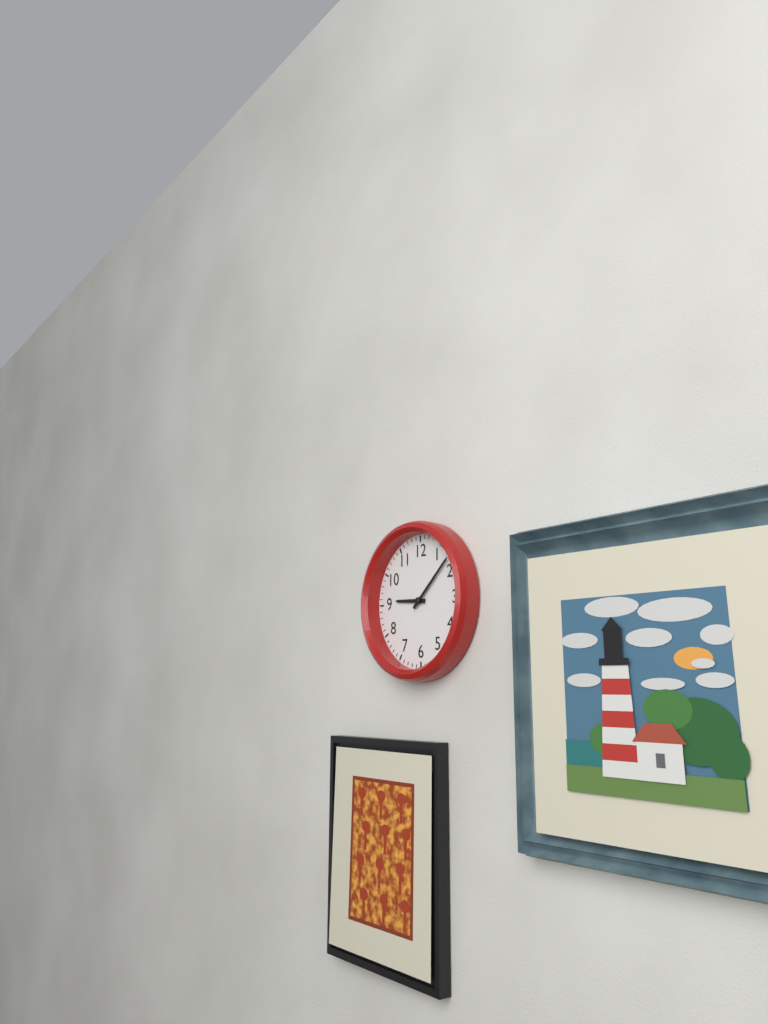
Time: **9:08**
